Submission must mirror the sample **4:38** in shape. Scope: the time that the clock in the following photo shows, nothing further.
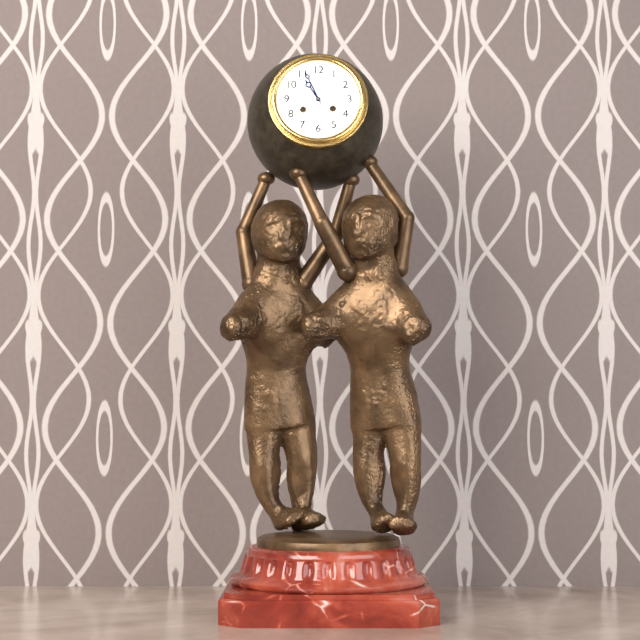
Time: **10:56**
